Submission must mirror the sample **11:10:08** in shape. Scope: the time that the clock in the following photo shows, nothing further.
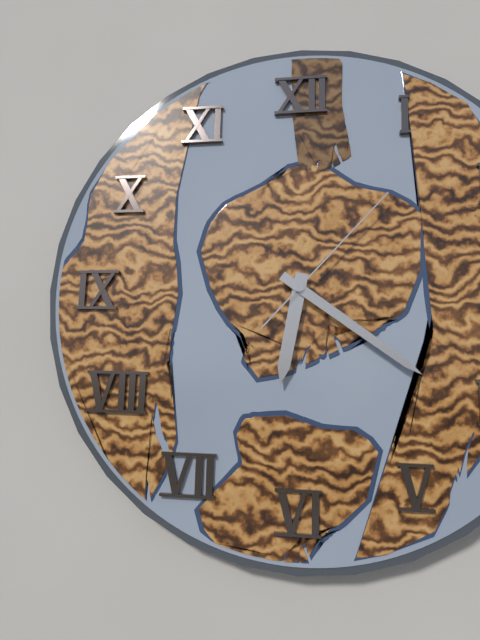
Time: **6:21:07**
